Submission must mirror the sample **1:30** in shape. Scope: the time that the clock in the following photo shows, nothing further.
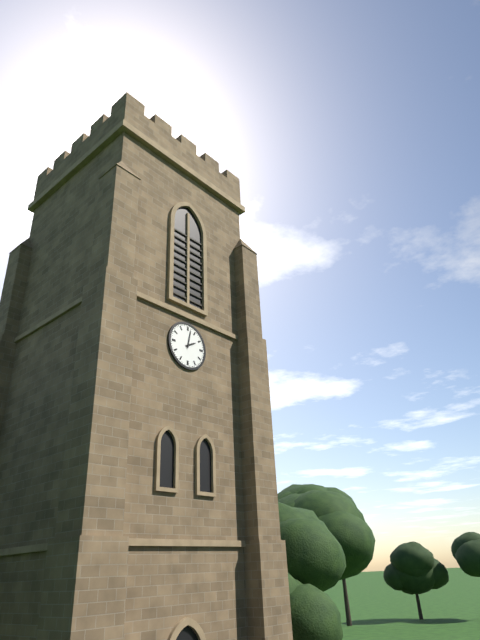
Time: **2:02**
